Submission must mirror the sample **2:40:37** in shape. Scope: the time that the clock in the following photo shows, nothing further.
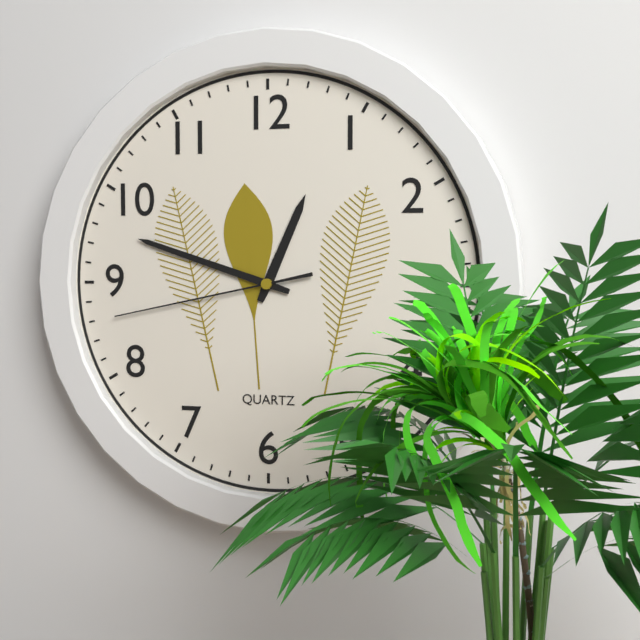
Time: **12:48:43**
